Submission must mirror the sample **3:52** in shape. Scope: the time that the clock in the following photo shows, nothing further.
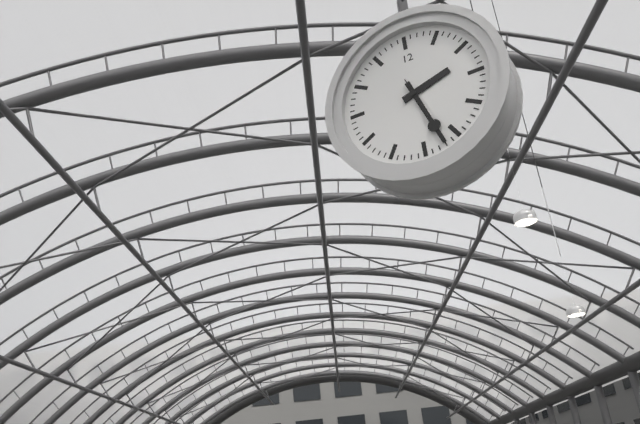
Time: **2:27**
